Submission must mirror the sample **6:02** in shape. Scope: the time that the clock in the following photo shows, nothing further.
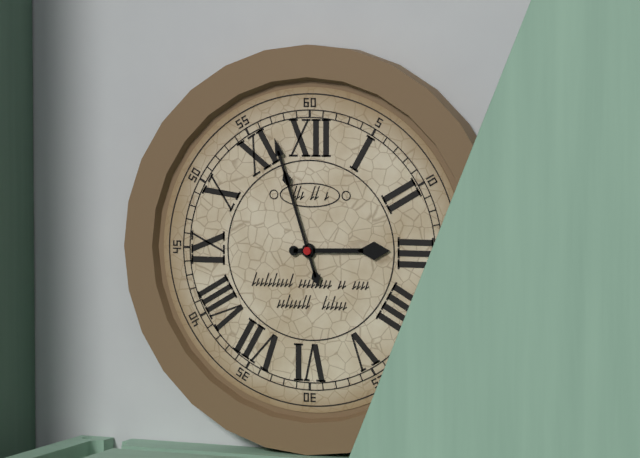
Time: **2:57**
